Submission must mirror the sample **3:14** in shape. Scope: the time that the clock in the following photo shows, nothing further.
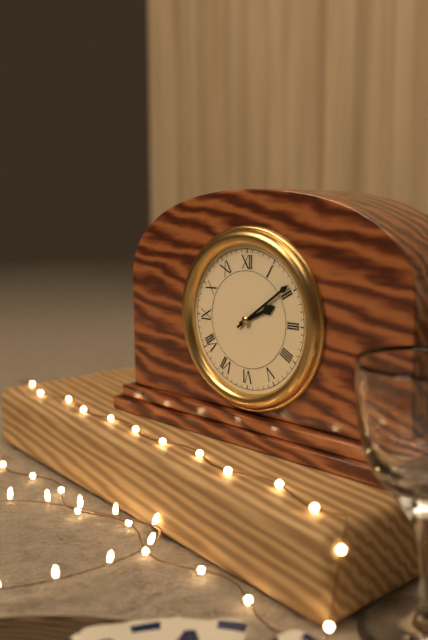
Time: **2:09**
